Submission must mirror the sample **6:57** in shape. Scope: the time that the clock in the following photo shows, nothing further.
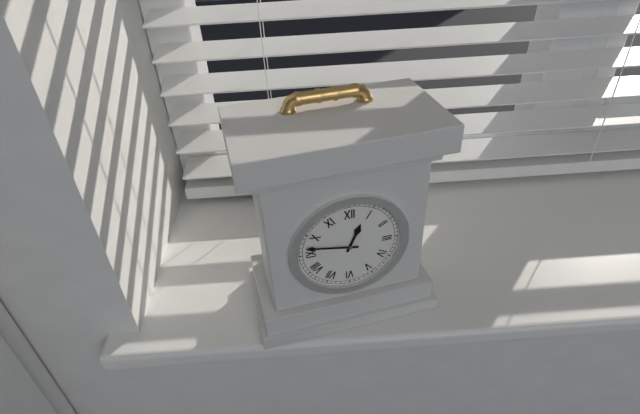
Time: **12:47**
